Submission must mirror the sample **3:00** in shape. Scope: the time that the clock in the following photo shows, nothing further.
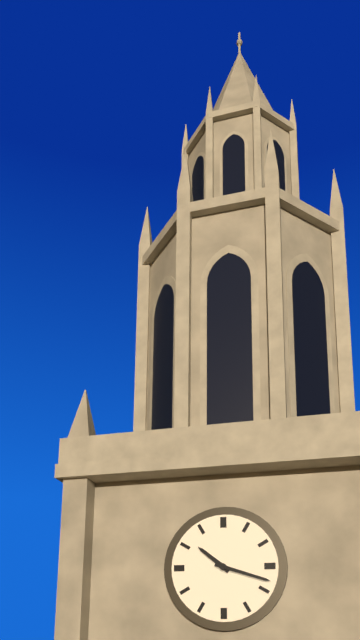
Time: **10:18**
